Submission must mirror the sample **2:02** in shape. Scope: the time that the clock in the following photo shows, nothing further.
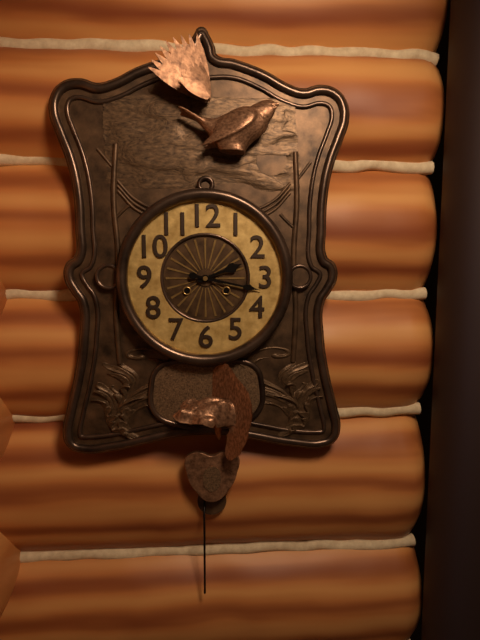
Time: **2:17**
